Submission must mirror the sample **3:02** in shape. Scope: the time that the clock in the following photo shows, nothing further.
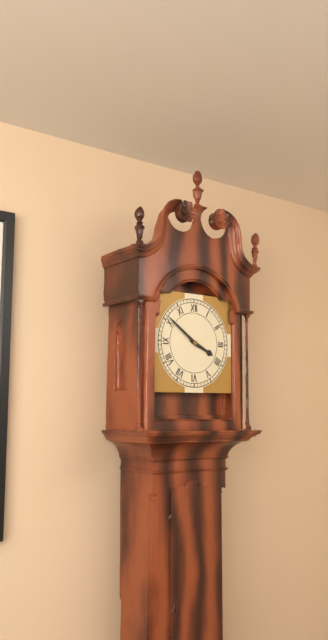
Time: **3:51**
